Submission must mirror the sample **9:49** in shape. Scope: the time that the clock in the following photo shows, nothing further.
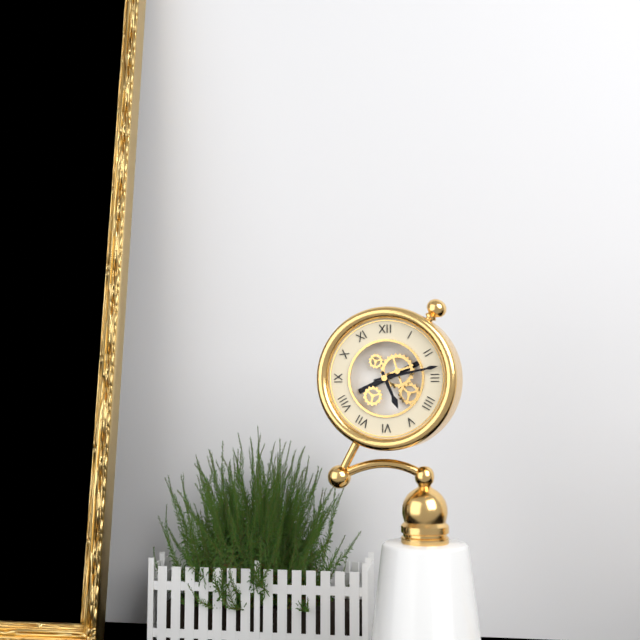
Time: **5:13**
